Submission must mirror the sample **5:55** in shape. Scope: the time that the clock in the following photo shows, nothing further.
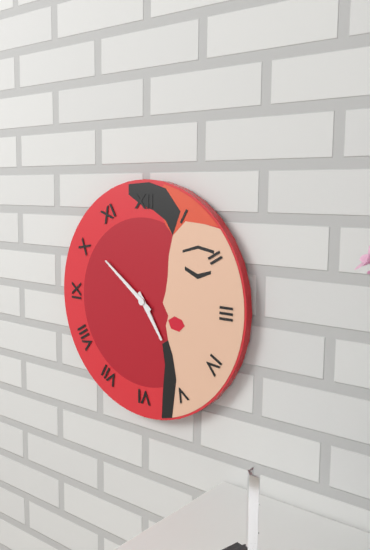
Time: **4:51**
